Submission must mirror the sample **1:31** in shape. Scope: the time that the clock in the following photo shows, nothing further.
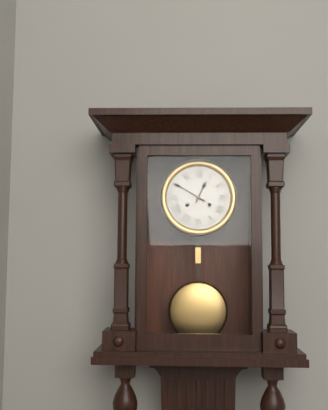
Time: **12:50**
